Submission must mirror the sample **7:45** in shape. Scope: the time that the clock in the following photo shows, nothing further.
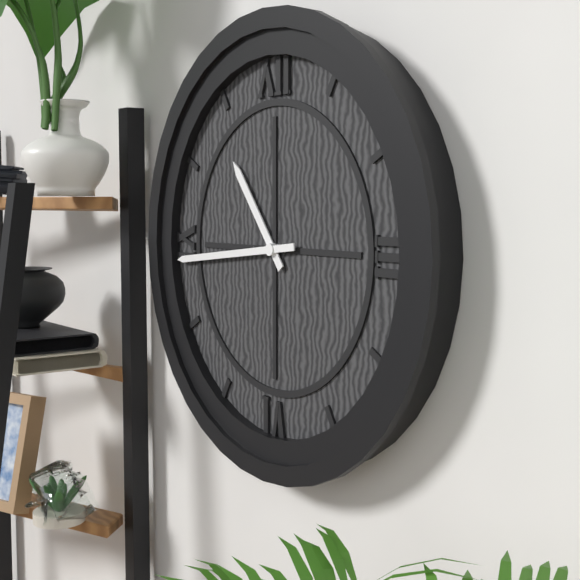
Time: **10:44**
